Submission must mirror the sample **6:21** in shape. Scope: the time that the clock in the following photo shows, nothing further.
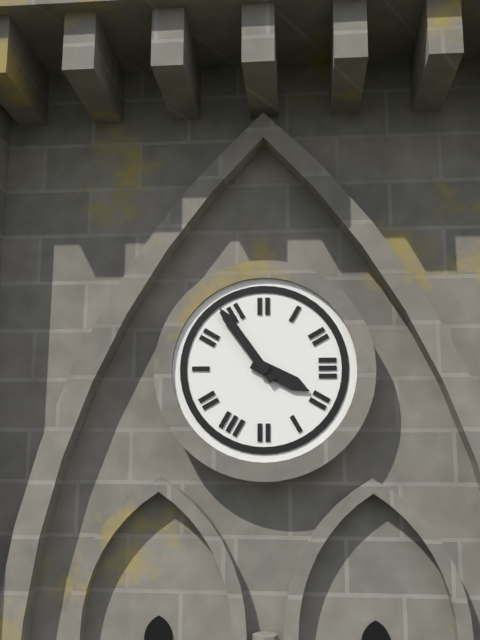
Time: **3:54**
